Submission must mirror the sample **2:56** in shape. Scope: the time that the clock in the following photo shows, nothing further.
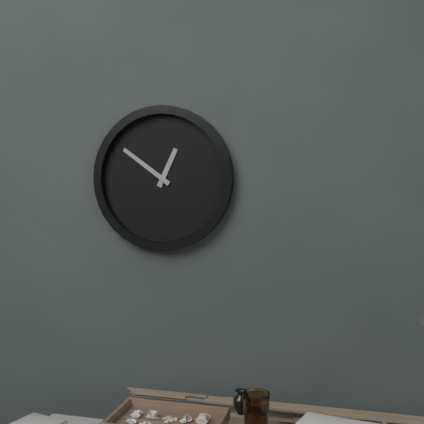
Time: **12:51**
